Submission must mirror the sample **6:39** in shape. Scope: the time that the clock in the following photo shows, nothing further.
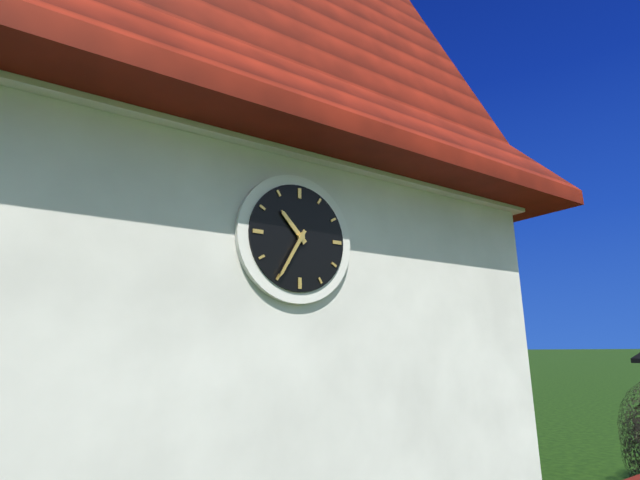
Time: **10:35**
